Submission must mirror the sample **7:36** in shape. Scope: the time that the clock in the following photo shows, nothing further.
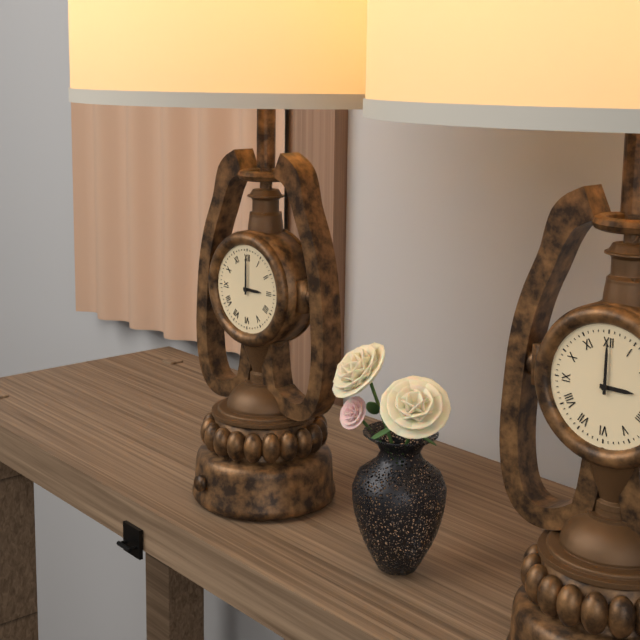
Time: **3:00**
